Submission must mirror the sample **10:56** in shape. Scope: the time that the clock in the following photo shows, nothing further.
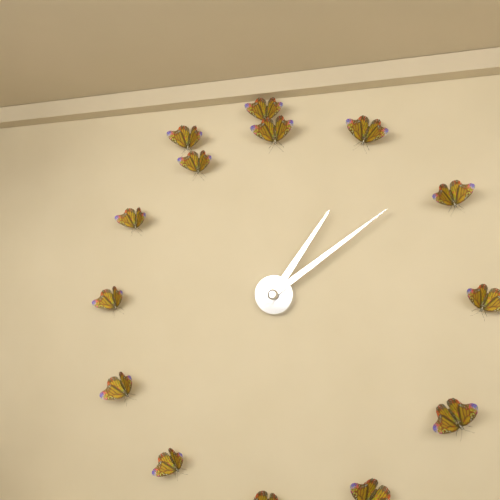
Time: **1:09**
